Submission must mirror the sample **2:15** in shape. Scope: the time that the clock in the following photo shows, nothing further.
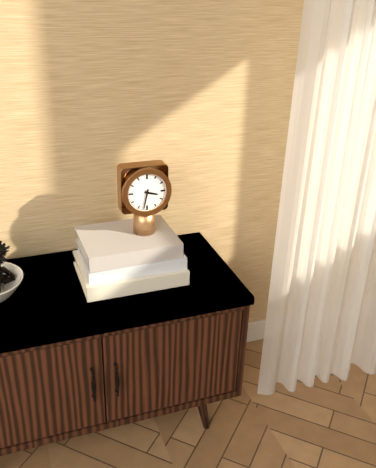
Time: **3:32**
